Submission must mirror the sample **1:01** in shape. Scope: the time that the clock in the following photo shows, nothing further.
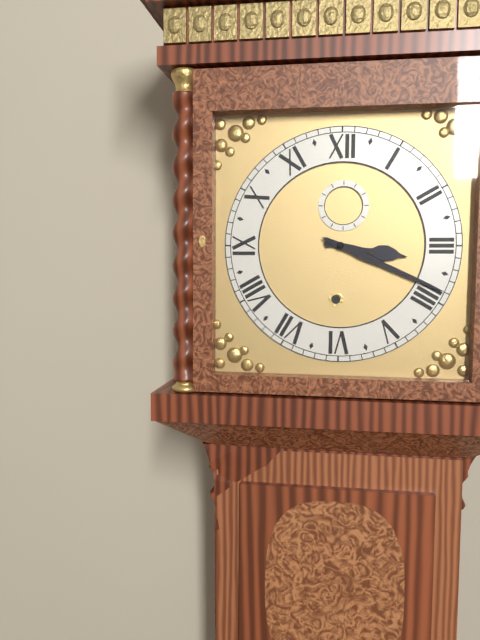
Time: **3:19**
